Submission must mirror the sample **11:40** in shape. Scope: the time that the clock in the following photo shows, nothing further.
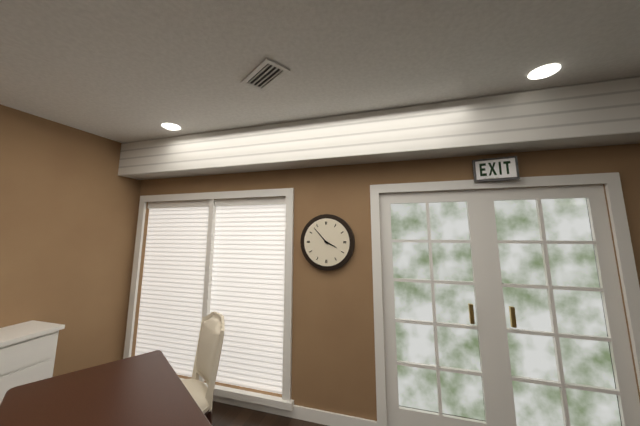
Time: **3:53**
